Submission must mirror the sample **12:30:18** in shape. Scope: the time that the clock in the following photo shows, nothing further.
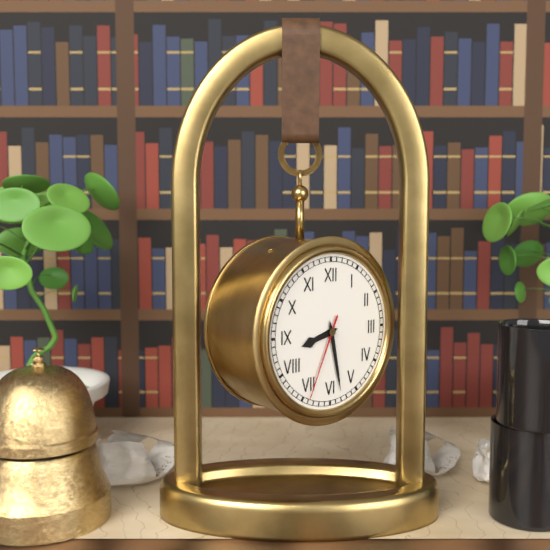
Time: **8:28:34**
